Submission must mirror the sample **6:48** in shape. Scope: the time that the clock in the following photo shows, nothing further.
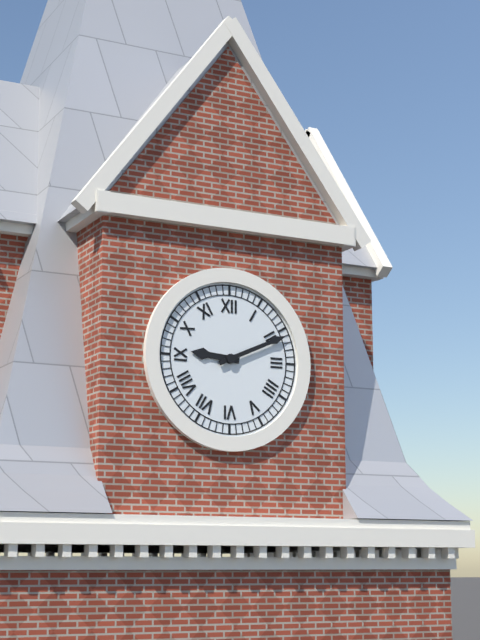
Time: **9:11**
